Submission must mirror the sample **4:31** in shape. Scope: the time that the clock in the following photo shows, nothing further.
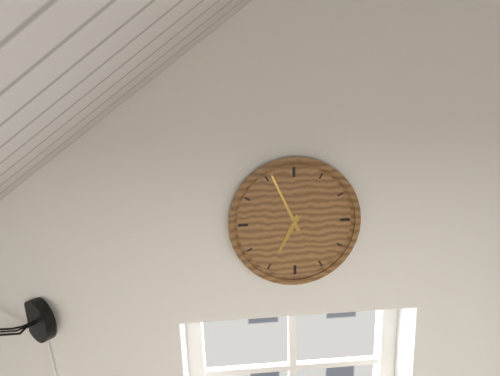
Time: **6:56**
